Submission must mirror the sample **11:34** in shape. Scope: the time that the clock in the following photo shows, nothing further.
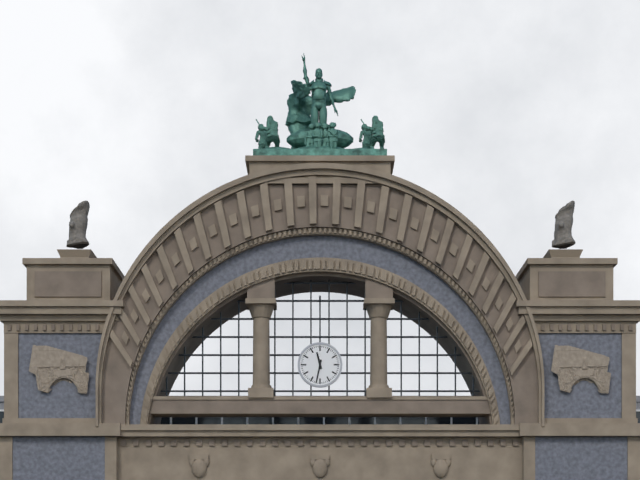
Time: **11:32**
